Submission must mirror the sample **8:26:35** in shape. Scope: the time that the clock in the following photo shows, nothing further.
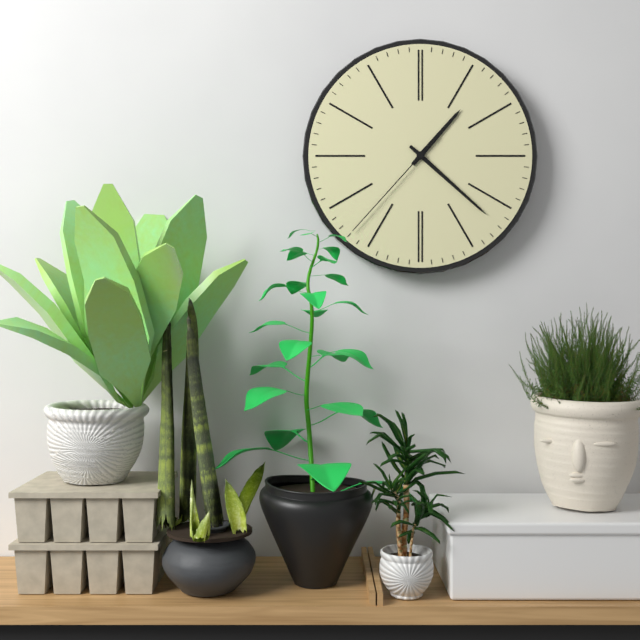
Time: **1:22:37**
